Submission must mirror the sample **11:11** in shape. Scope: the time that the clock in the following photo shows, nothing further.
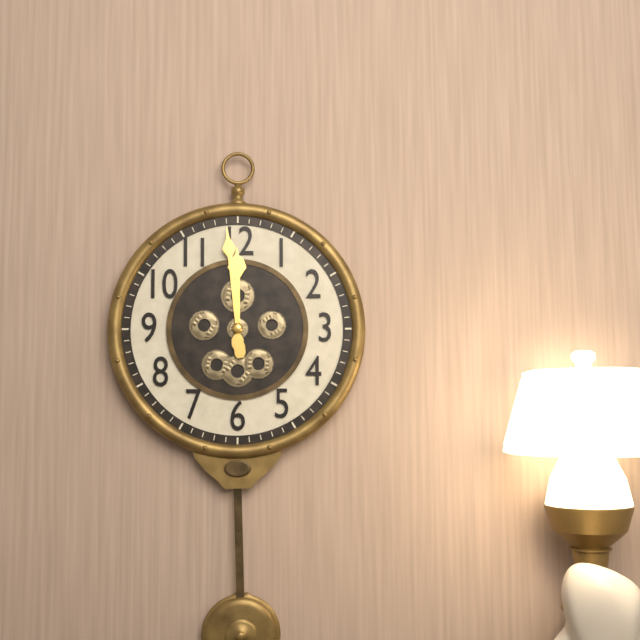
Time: **11:59**
